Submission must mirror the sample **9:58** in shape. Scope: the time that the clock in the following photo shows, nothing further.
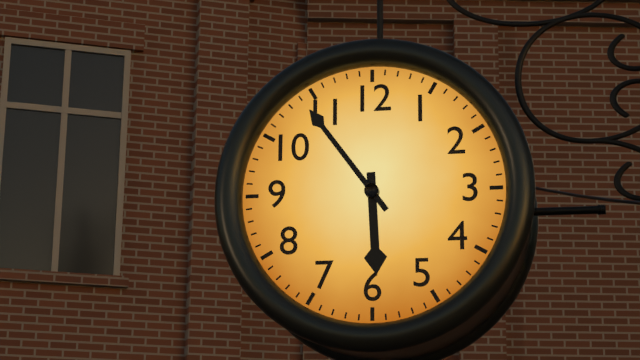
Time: **5:54**
